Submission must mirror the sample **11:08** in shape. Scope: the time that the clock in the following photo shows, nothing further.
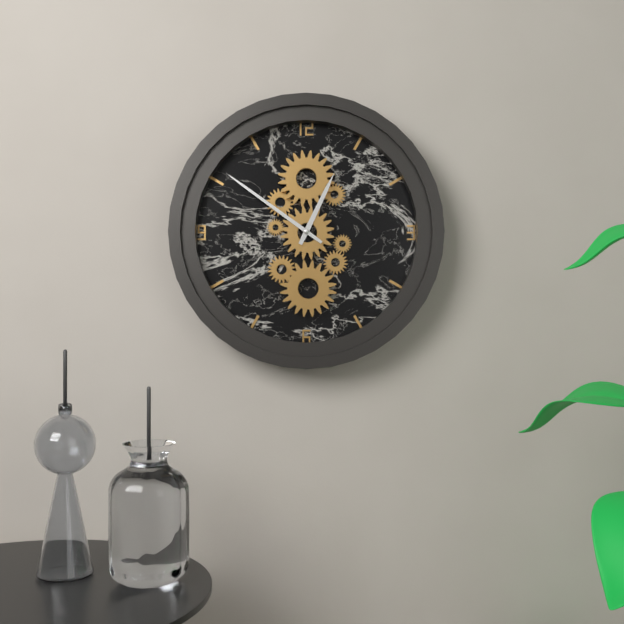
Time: **12:51**
